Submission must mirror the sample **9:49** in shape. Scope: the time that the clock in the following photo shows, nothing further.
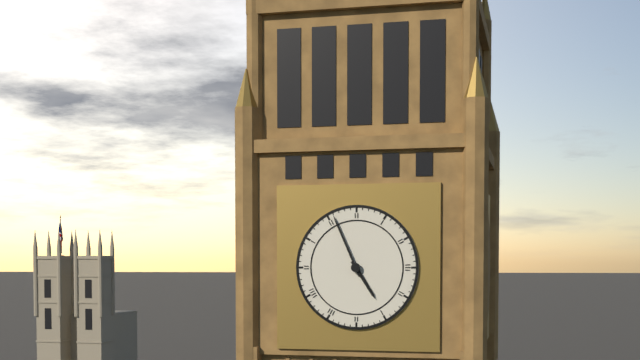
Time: **4:56**
